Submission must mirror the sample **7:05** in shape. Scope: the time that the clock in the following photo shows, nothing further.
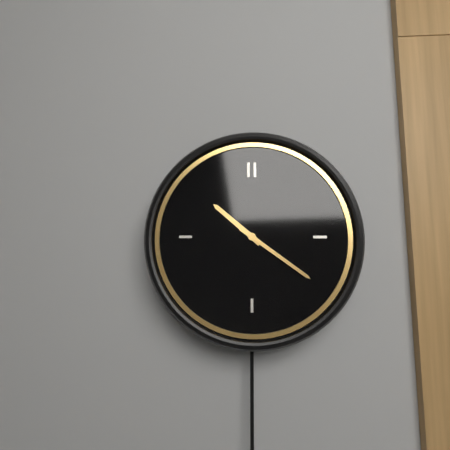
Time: **10:21**
